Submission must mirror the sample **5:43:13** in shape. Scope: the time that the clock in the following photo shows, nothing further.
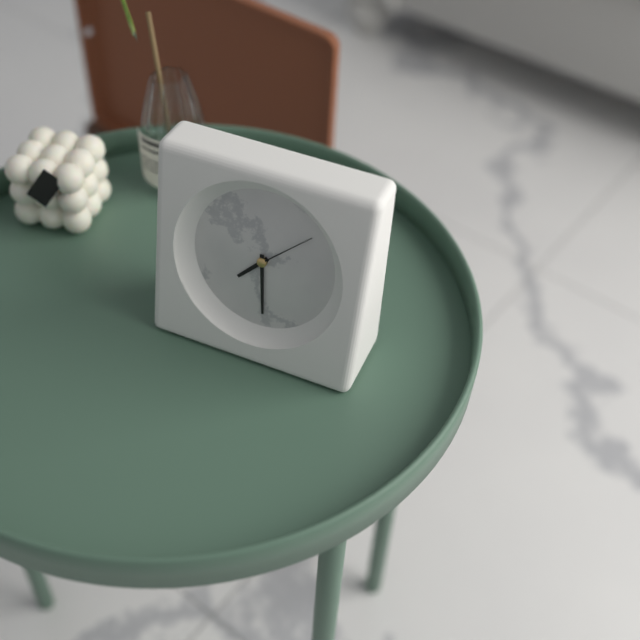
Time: **7:29:08**
